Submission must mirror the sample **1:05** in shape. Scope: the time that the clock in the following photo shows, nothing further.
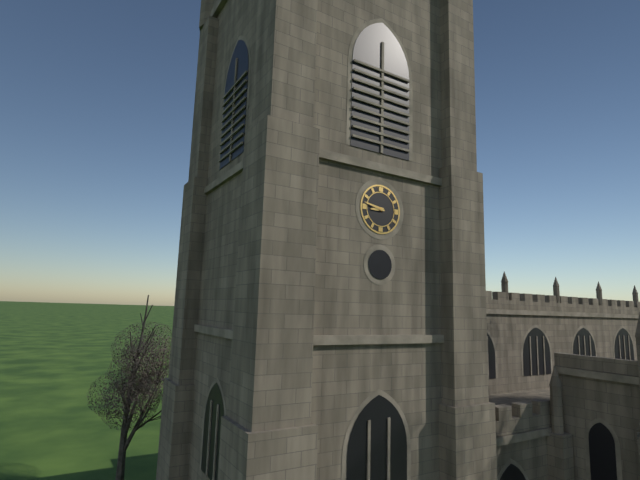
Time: **8:47**
